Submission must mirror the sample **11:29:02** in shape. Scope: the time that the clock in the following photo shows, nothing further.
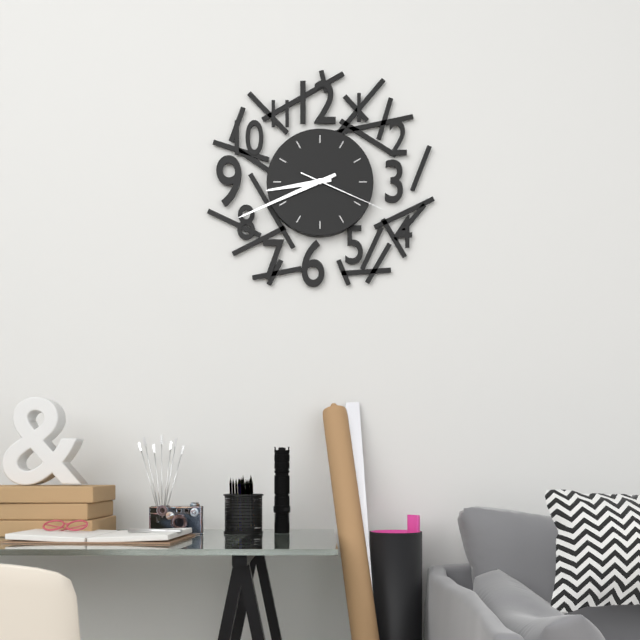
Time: **8:41:19**
